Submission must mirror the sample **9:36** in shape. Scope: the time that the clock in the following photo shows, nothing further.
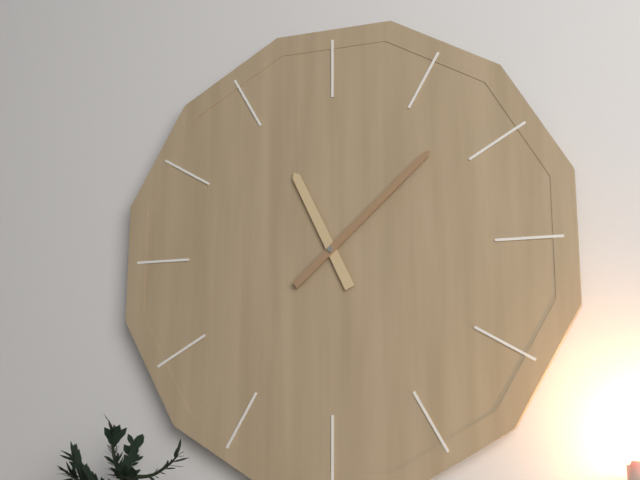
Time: **11:08**
